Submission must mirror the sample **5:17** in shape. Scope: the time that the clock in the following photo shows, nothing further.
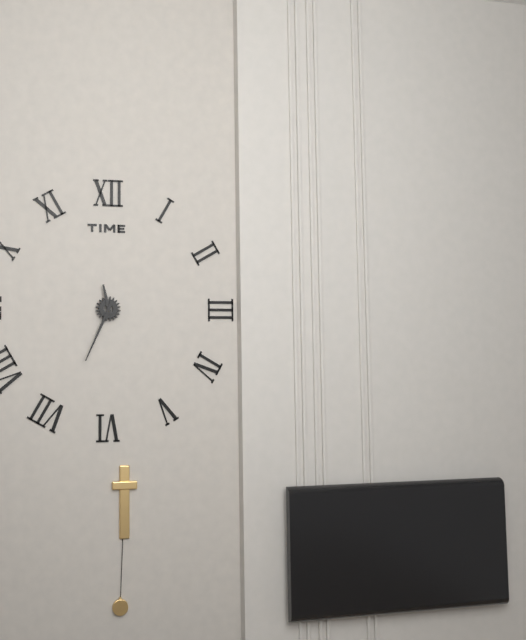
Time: **11:34**
